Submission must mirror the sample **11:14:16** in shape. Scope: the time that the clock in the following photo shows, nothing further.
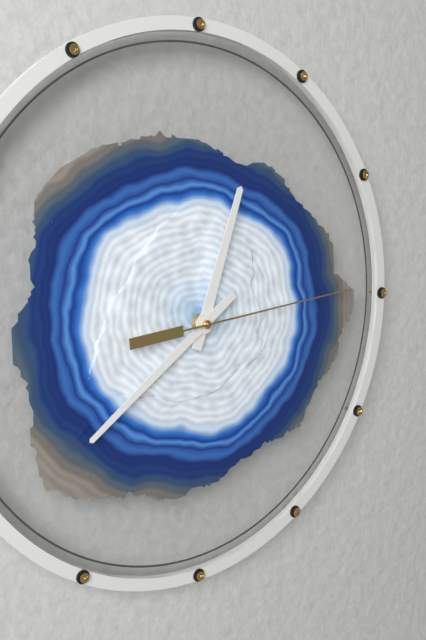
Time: **12:39:14**
